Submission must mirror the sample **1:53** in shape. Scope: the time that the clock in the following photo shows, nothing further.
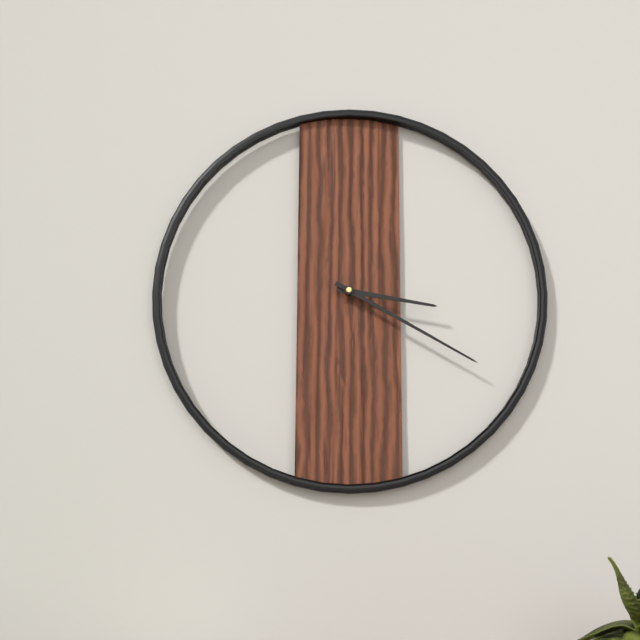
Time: **3:20**
